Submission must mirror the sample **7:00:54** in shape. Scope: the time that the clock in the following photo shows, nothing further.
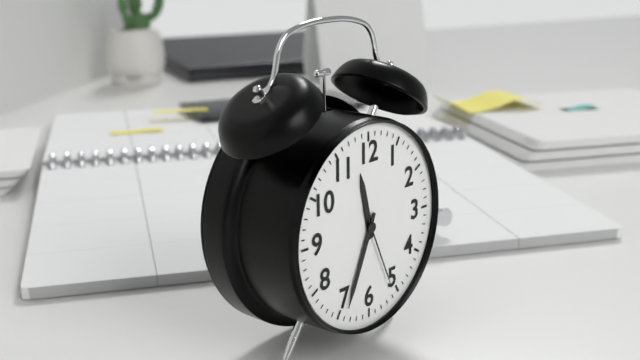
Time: **11:34:26**
